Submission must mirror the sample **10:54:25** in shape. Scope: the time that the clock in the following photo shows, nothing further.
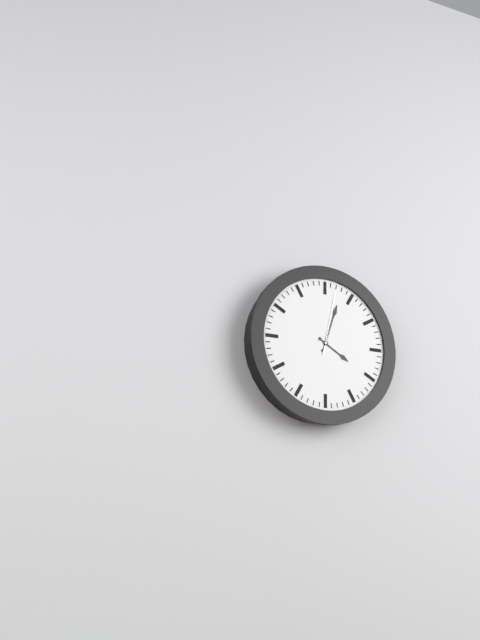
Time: **4:03:02**
